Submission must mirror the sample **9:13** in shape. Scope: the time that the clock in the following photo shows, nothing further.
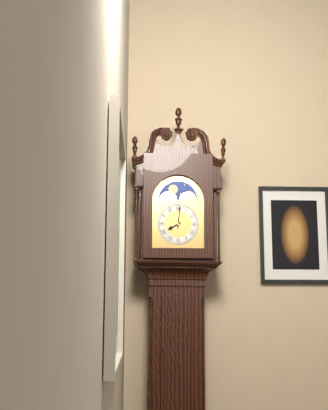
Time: **8:01**
